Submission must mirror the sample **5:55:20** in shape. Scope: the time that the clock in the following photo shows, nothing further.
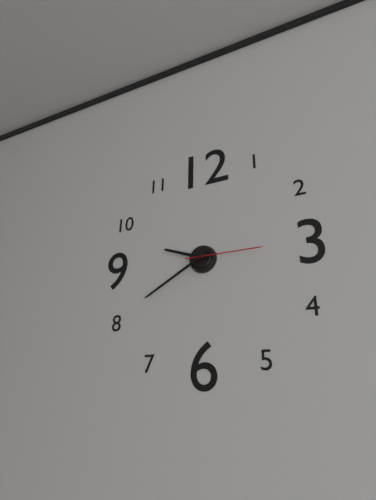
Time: **9:40:15**
